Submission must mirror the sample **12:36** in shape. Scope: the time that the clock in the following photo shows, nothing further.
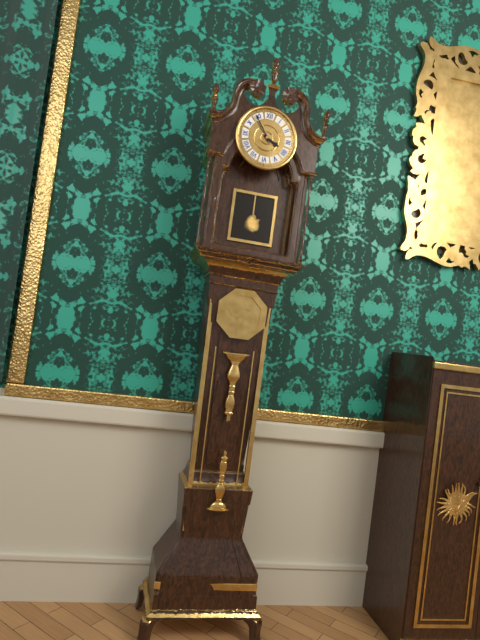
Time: **3:54**
